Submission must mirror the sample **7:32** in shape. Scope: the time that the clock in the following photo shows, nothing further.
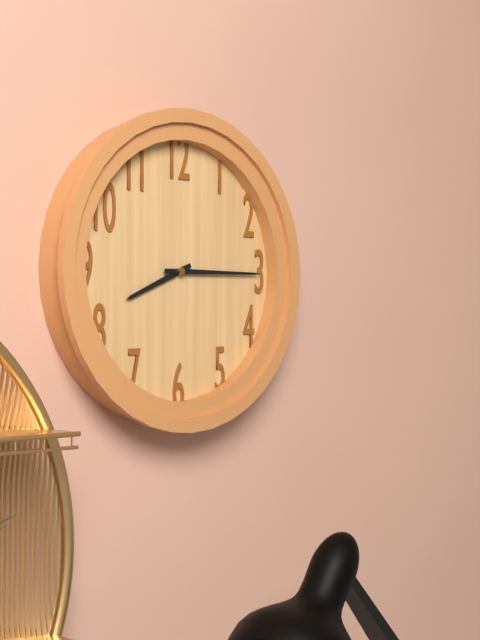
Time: **8:15**
